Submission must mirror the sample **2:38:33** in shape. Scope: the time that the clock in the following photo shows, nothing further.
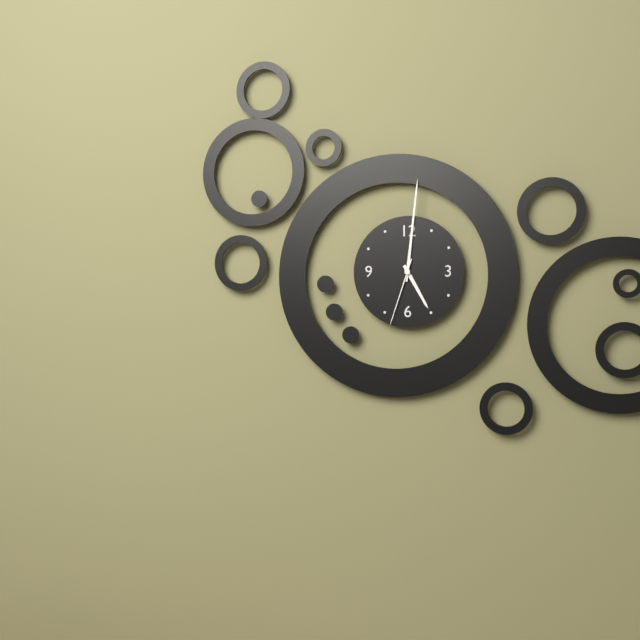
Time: **5:01:33**
